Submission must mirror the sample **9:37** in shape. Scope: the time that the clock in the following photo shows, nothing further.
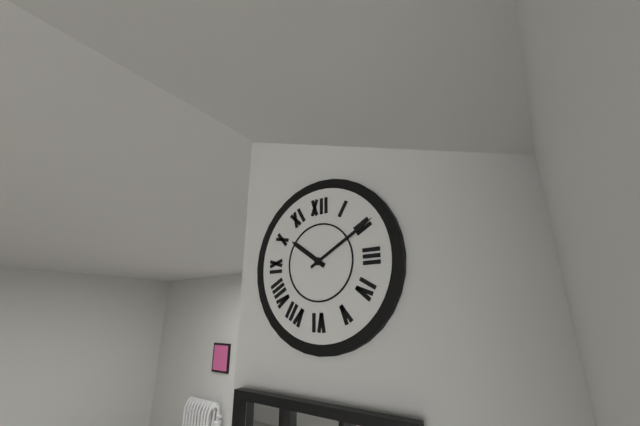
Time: **10:10**
